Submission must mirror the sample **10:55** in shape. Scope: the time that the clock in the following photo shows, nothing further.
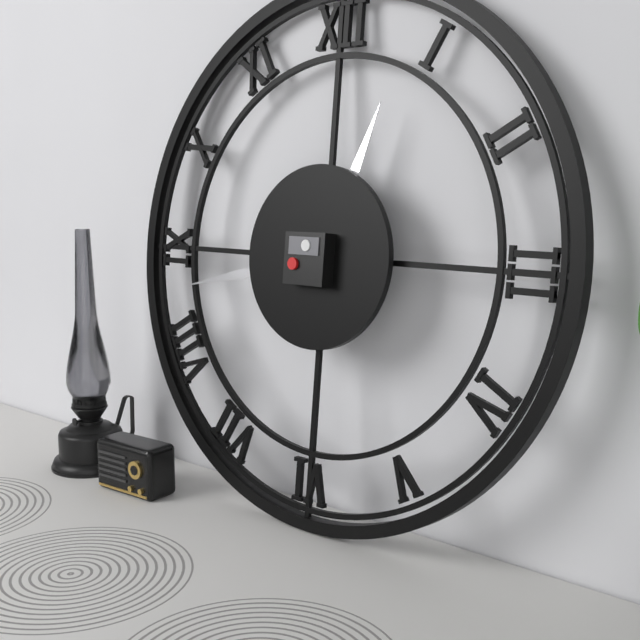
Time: **12:43**
